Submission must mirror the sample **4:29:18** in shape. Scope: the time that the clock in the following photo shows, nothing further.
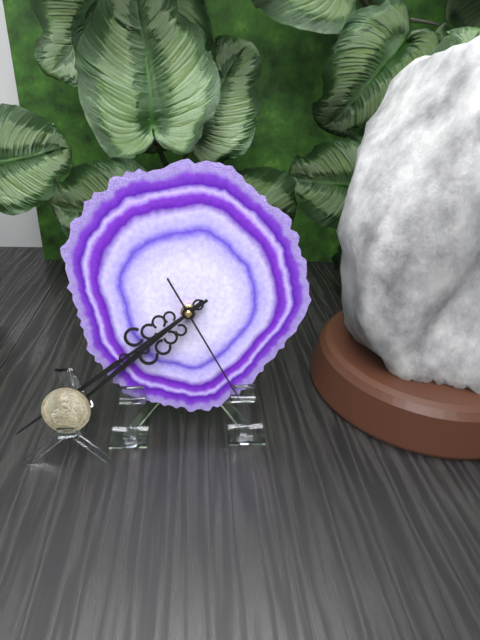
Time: **7:39:25**
